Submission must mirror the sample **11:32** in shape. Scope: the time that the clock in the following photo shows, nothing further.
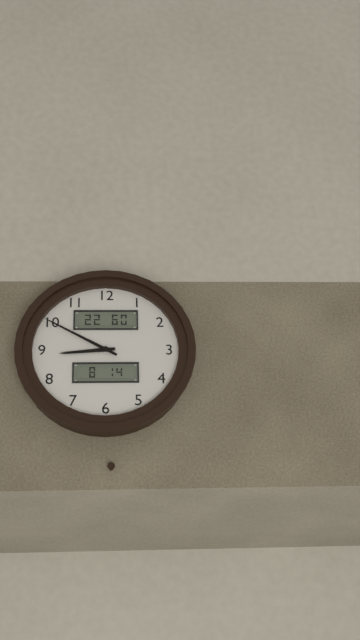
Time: **8:50**
